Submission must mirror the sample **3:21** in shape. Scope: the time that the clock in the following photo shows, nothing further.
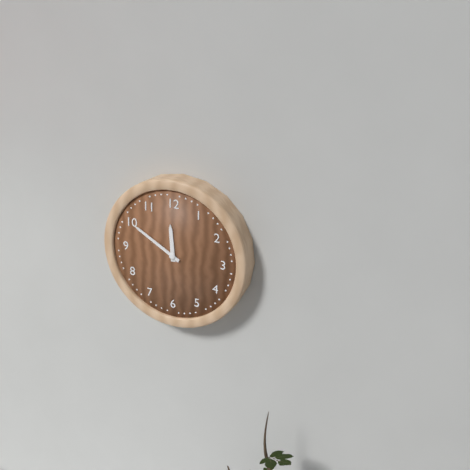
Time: **11:50**
